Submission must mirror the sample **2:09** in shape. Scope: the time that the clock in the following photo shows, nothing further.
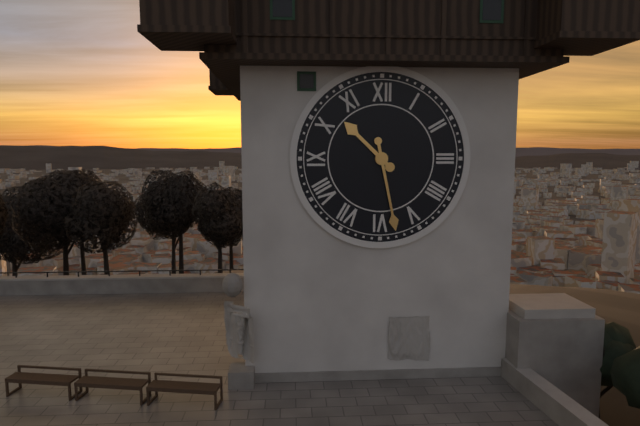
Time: **10:28**
